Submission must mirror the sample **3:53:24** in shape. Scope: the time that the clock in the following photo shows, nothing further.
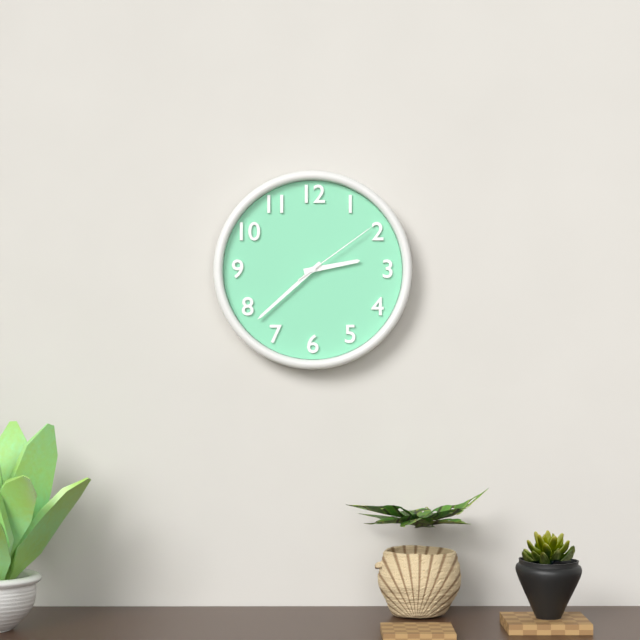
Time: **2:38:09**
